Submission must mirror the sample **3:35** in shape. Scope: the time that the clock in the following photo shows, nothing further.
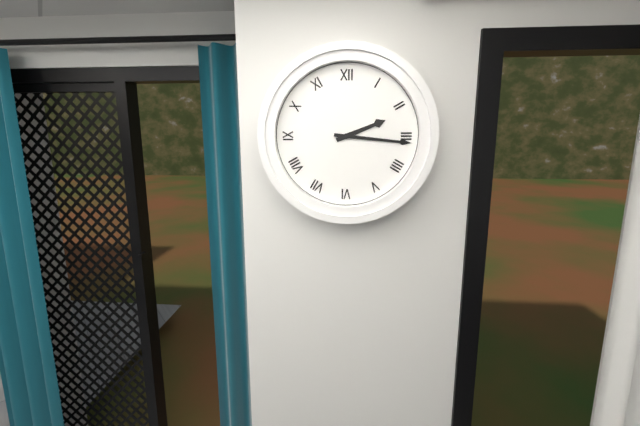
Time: **2:16**
